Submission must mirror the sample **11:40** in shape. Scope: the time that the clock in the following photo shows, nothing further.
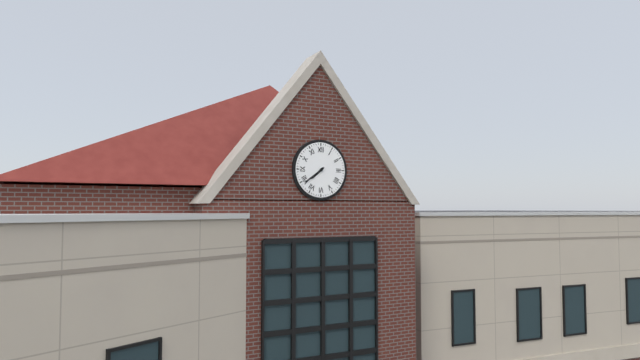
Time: **7:39**
